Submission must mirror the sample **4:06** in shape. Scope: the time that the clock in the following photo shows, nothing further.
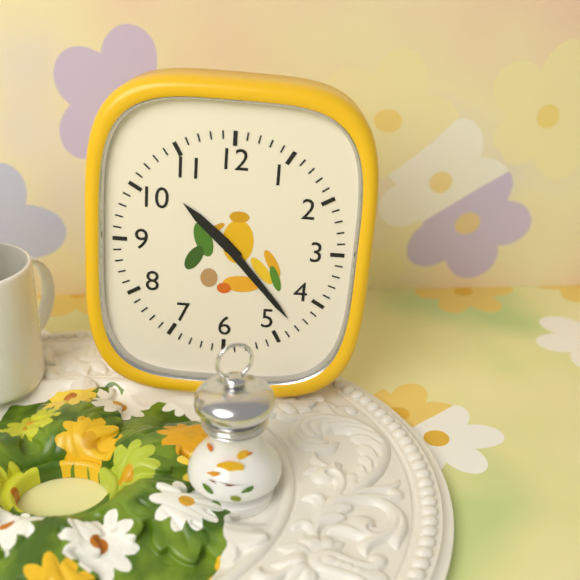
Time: **10:23**
